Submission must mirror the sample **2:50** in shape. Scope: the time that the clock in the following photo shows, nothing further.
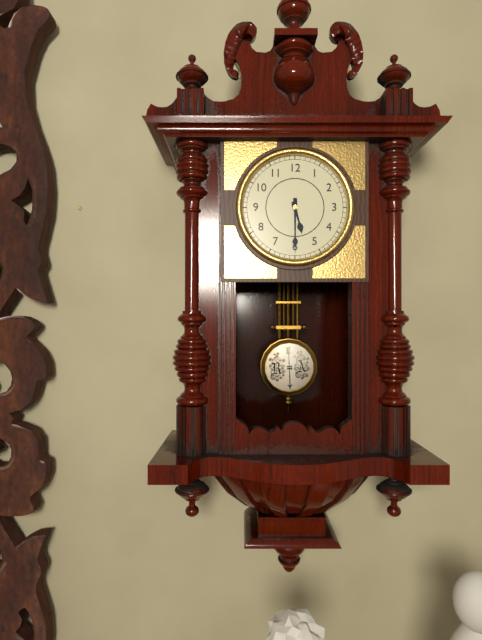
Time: **5:30**
